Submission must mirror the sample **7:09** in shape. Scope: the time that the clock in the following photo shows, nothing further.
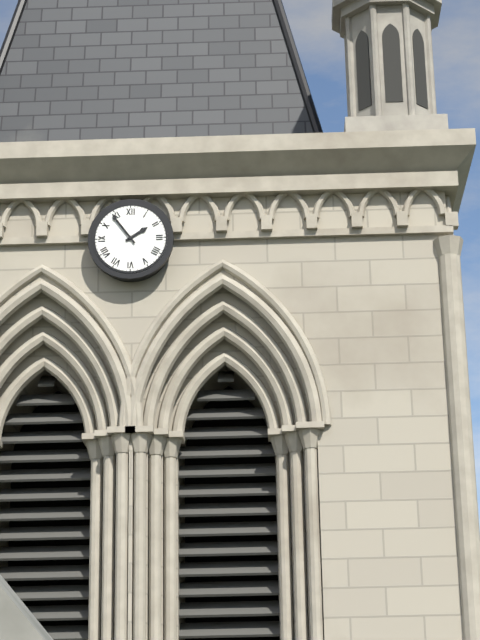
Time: **1:54**
